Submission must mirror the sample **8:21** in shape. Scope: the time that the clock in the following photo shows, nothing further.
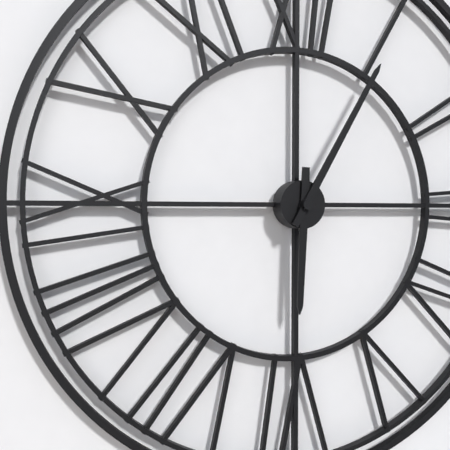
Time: **6:05**
